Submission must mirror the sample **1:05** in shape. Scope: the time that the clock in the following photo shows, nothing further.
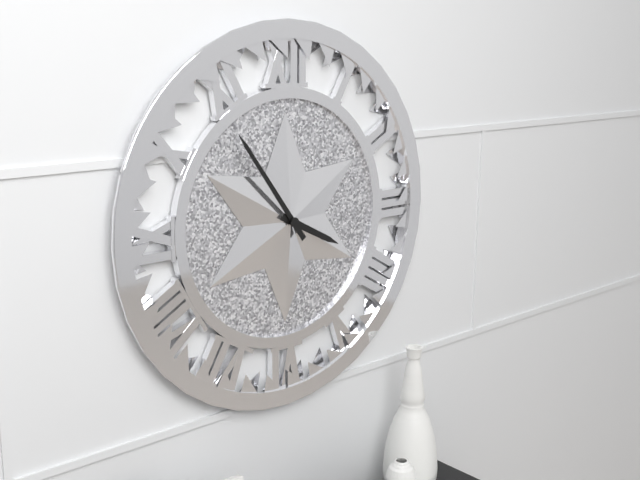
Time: **3:54**
